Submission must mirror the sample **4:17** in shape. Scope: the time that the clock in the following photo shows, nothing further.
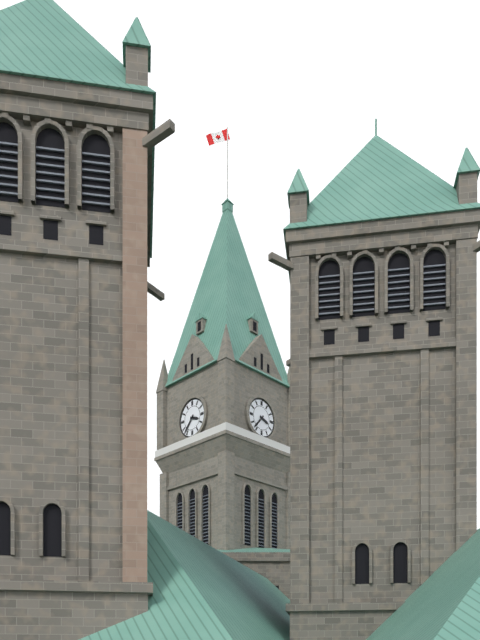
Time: **3:37**
